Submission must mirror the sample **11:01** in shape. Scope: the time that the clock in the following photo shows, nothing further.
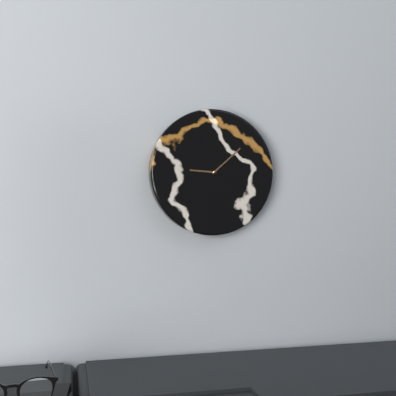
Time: **9:08**
